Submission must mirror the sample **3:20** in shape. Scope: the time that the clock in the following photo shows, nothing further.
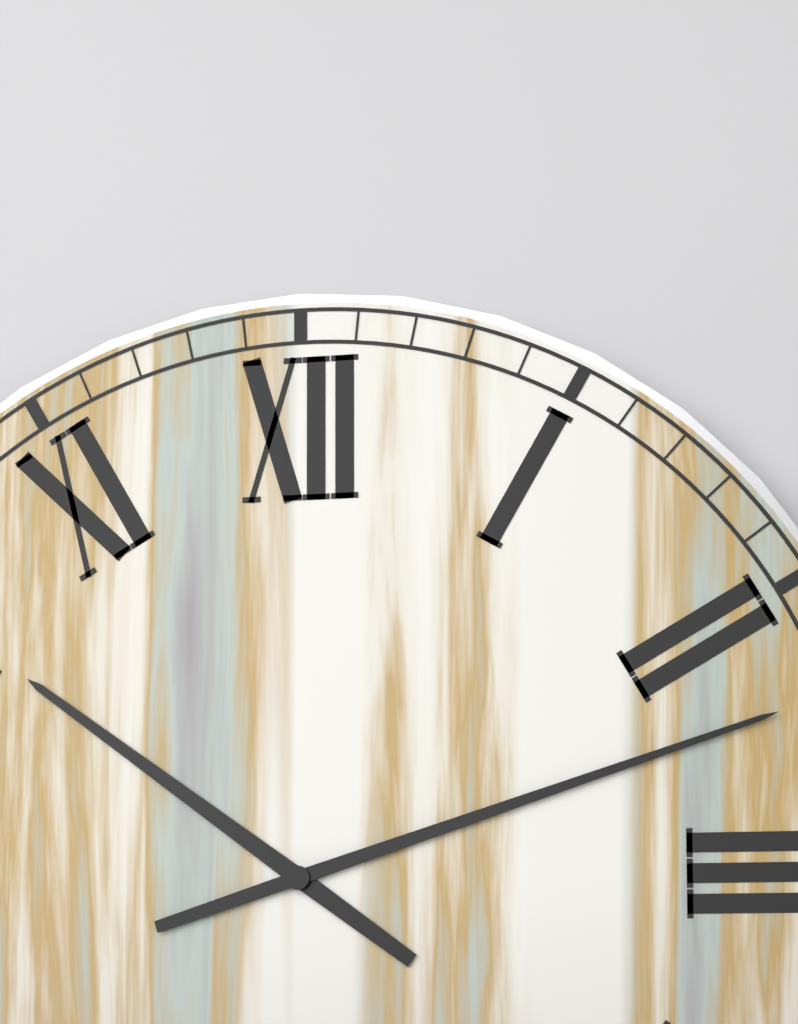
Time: **10:12**
